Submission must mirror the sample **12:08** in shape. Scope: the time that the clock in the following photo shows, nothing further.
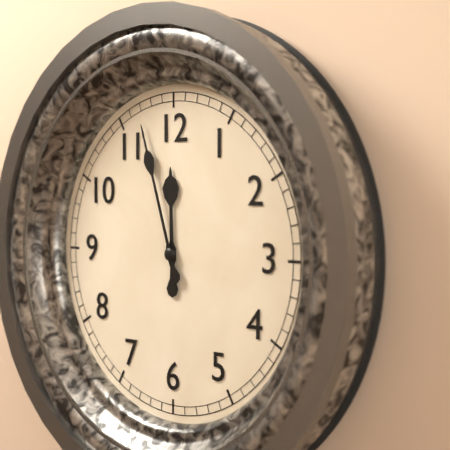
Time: **11:57**
